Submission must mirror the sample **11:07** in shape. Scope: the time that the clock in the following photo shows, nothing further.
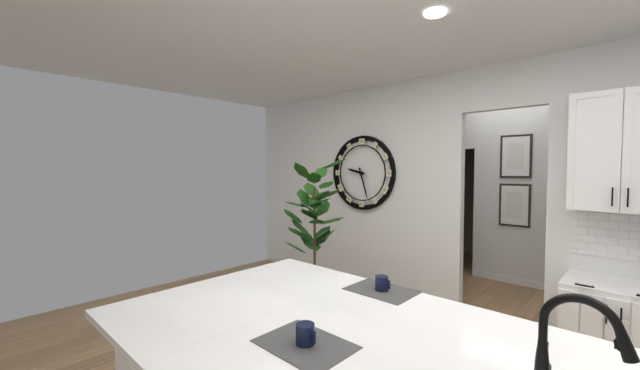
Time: **9:27**
